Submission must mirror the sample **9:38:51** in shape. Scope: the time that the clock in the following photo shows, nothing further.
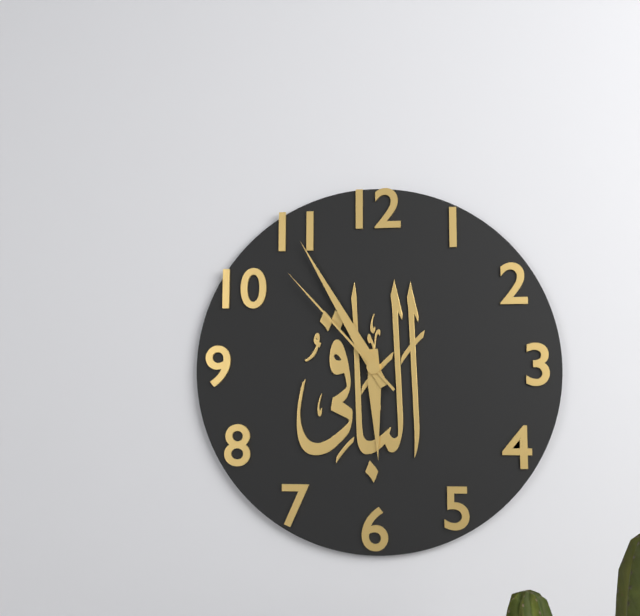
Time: **5:55:53**
